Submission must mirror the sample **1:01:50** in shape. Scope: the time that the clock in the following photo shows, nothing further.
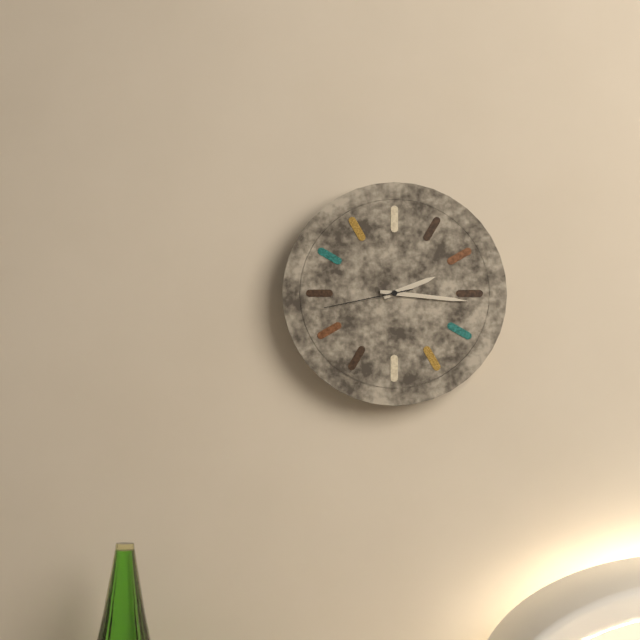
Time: **2:16:43**
